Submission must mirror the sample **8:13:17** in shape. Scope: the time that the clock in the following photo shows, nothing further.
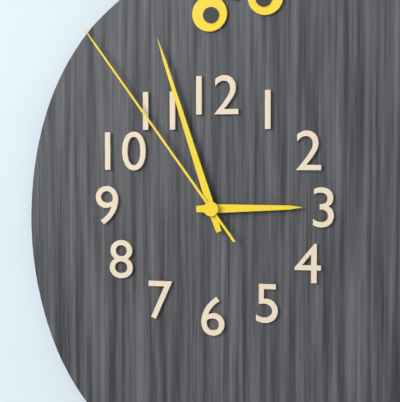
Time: **2:57:54**
